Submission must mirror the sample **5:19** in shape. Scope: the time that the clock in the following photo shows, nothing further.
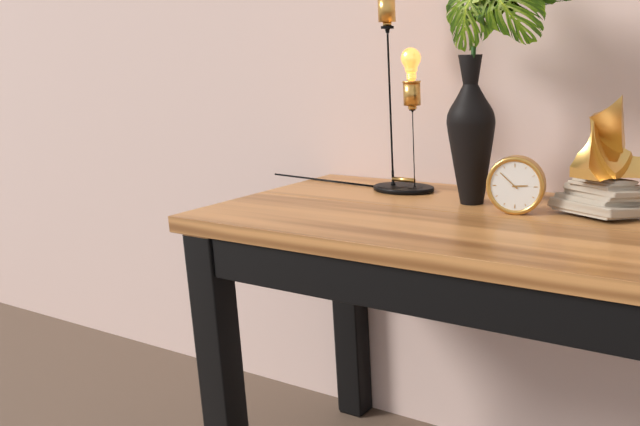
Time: **2:52**
